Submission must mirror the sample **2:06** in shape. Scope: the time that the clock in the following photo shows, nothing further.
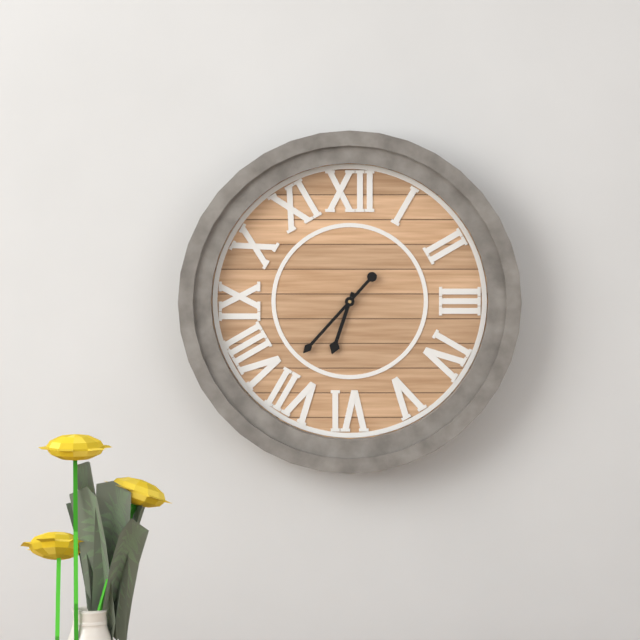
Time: **6:37**
